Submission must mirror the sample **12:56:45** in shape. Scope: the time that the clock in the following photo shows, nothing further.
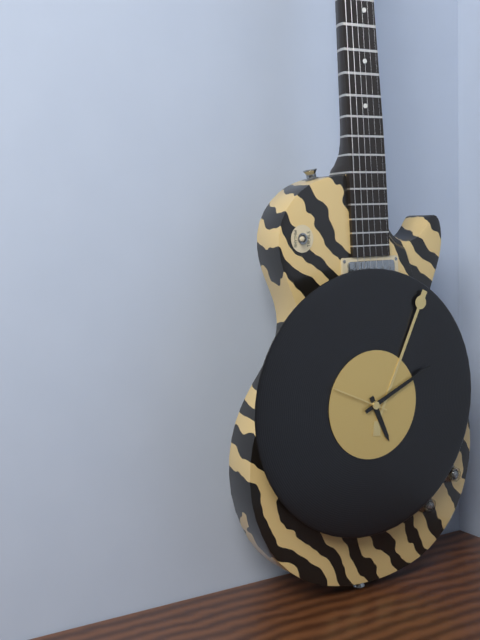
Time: **5:11:49**
